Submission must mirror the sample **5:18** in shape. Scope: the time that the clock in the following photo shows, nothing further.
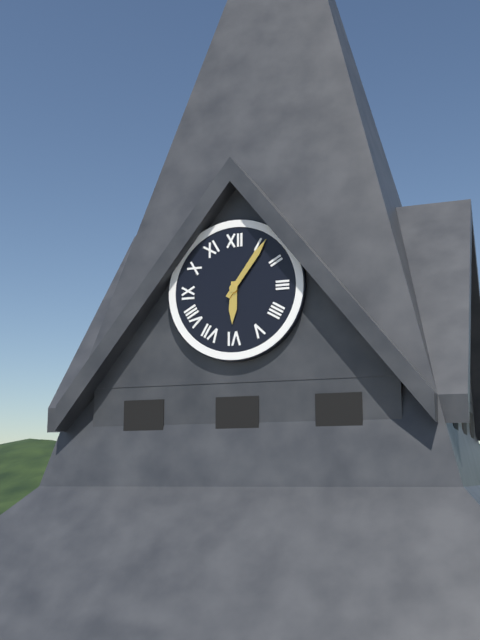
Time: **6:06**
